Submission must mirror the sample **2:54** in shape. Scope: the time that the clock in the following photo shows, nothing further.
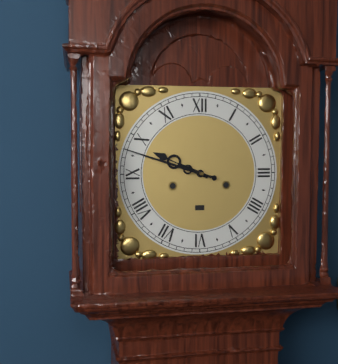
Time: **9:48**
